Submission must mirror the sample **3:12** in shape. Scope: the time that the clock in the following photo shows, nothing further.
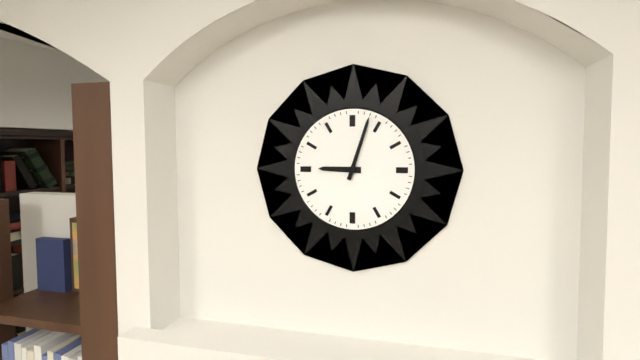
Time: **9:03**
